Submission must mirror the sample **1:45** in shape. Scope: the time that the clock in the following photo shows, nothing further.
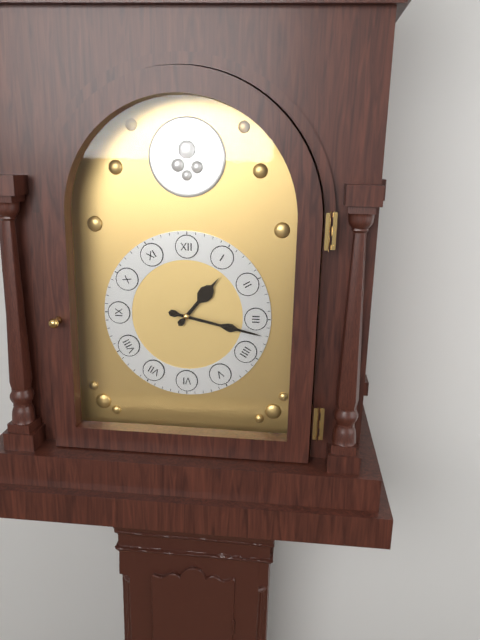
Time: **1:17**
